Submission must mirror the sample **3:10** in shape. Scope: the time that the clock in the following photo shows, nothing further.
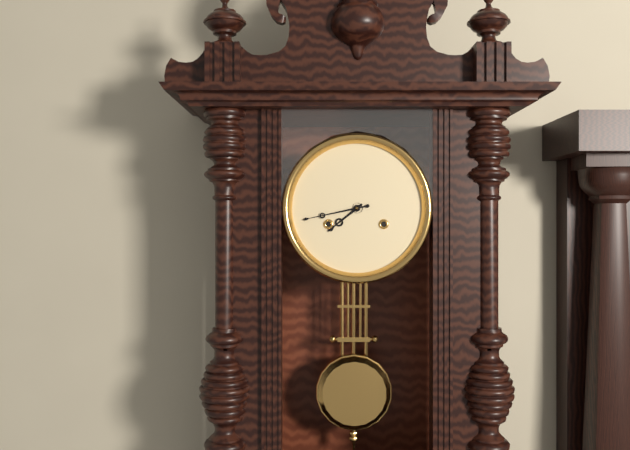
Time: **7:43**
